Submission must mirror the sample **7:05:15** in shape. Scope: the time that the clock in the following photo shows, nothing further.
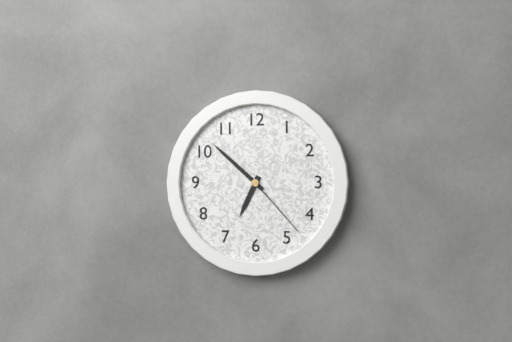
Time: **6:52:23**
